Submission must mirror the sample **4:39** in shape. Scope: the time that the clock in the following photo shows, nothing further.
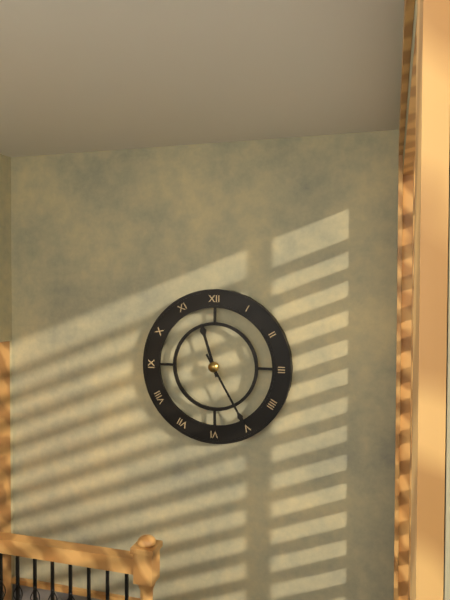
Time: **11:25**
